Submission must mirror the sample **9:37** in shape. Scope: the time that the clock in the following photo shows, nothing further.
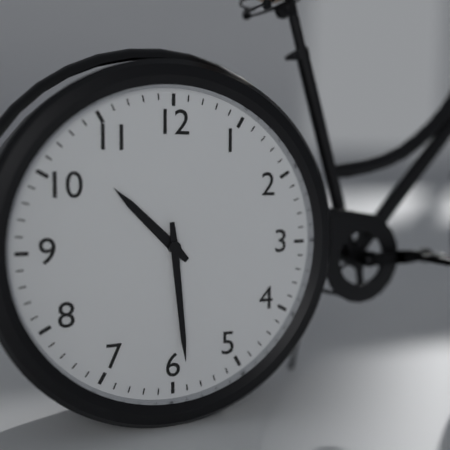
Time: **10:29**
